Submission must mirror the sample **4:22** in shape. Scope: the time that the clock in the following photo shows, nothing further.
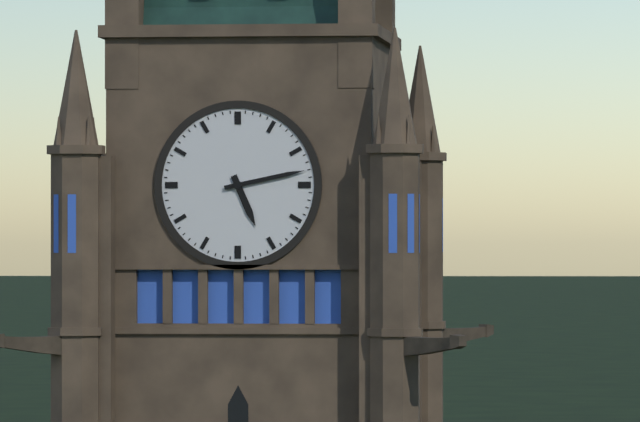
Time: **5:13**
